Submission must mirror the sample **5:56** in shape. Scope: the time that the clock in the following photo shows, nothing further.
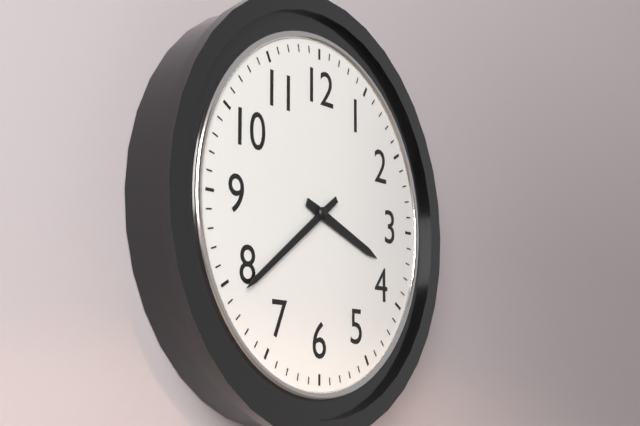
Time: **3:39**
